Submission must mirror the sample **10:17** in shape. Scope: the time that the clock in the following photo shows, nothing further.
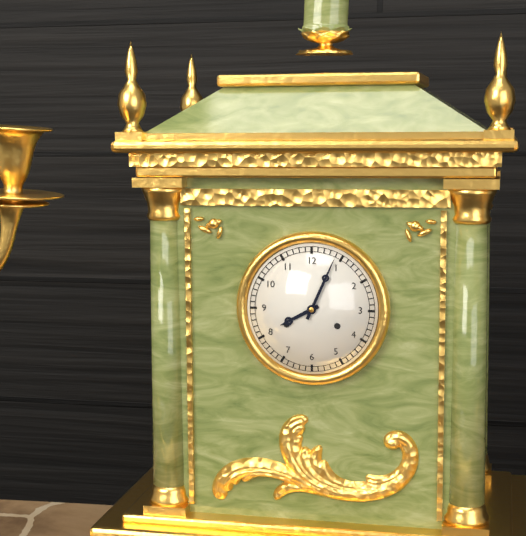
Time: **8:04**
